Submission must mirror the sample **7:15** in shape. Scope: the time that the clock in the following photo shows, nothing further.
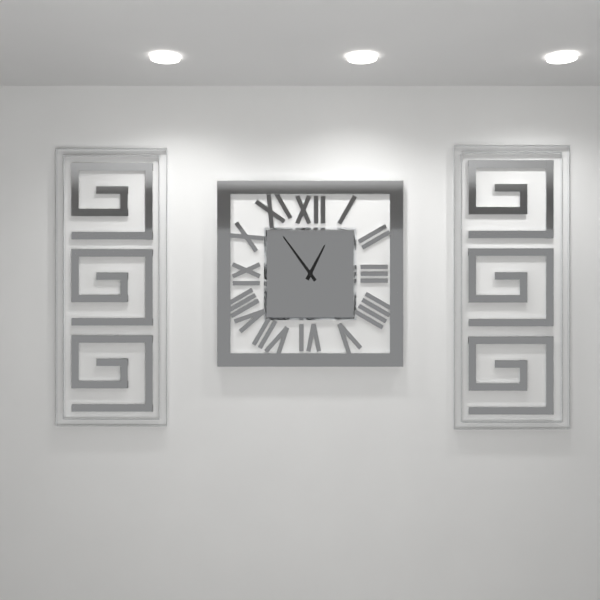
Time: **12:54**
